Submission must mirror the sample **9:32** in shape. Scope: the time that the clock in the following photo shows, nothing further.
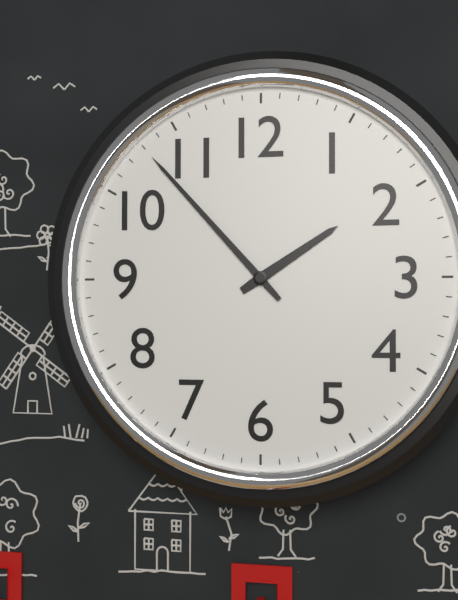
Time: **1:53**
